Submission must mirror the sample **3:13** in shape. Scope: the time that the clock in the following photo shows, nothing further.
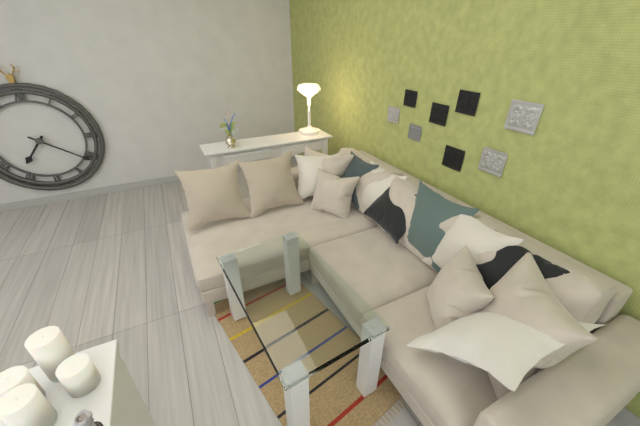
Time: **7:21**
